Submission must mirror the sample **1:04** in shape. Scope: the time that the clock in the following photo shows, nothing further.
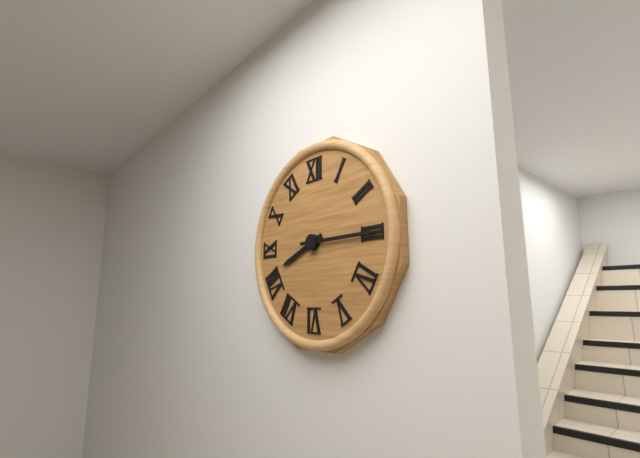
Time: **8:15**
